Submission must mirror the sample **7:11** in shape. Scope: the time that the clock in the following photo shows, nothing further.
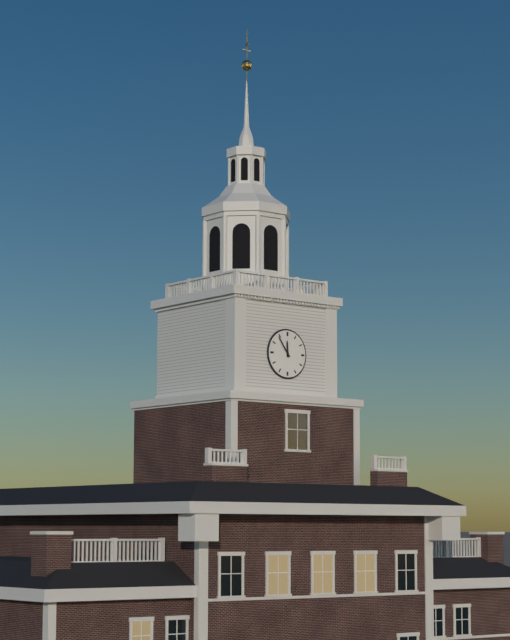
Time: **11:54**
